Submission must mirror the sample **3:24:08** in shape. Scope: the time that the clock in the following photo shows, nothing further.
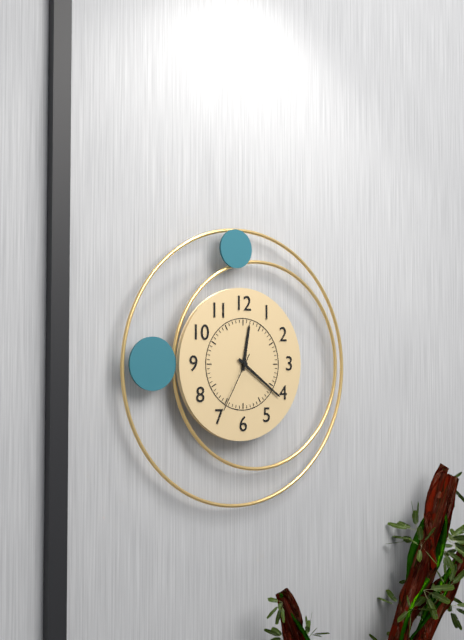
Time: **12:21:35**
